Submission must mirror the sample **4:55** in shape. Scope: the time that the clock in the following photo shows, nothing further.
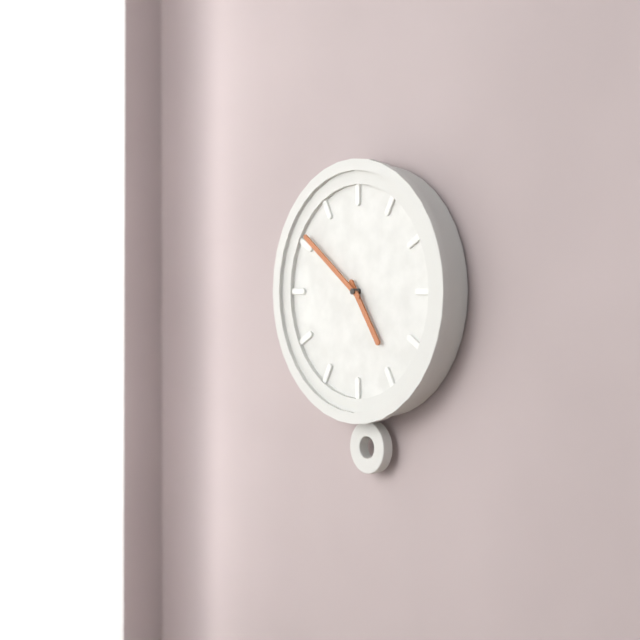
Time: **4:51**
